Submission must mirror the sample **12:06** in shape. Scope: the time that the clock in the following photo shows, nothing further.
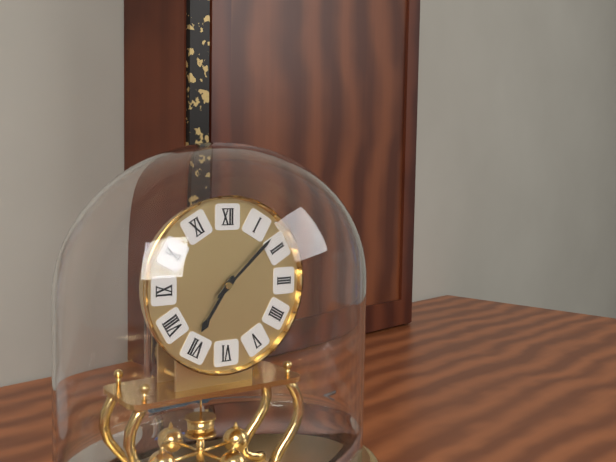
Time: **7:08**
